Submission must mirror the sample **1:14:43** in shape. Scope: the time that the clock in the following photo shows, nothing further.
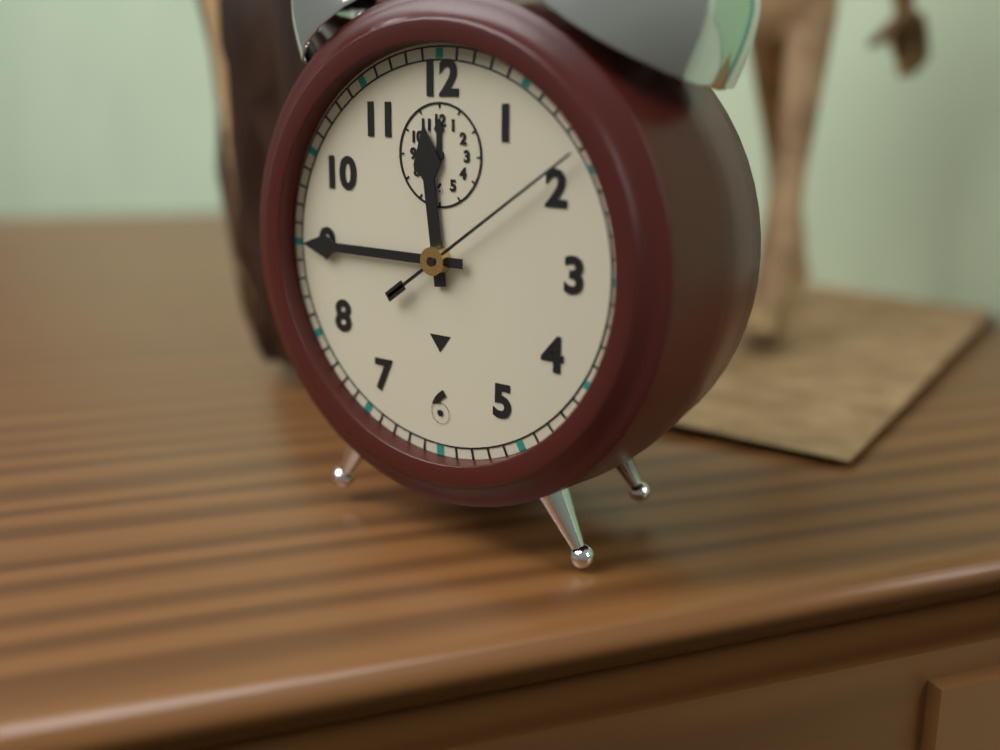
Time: **11:45:09**
